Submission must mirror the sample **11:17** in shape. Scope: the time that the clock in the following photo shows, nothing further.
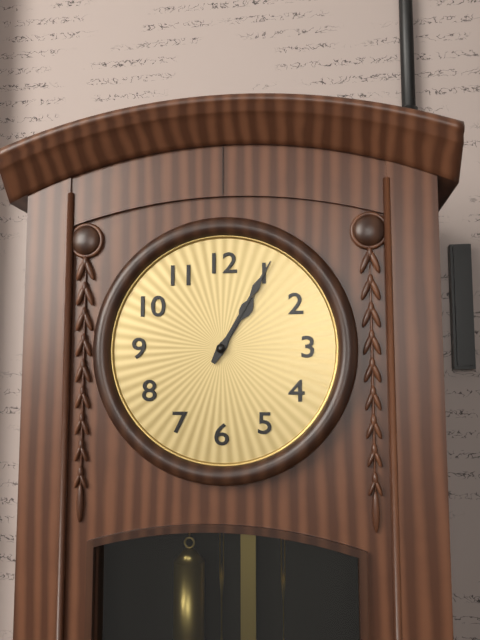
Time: **1:05**
